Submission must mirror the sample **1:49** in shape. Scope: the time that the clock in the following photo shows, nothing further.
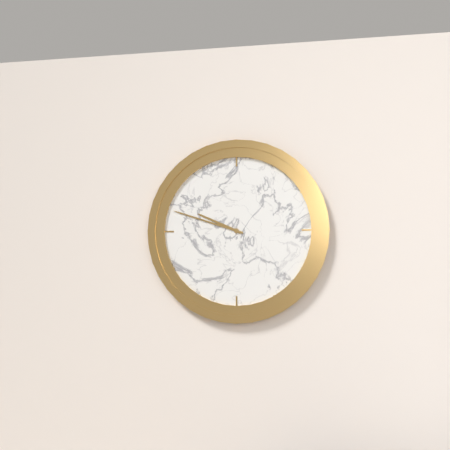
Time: **9:48**
